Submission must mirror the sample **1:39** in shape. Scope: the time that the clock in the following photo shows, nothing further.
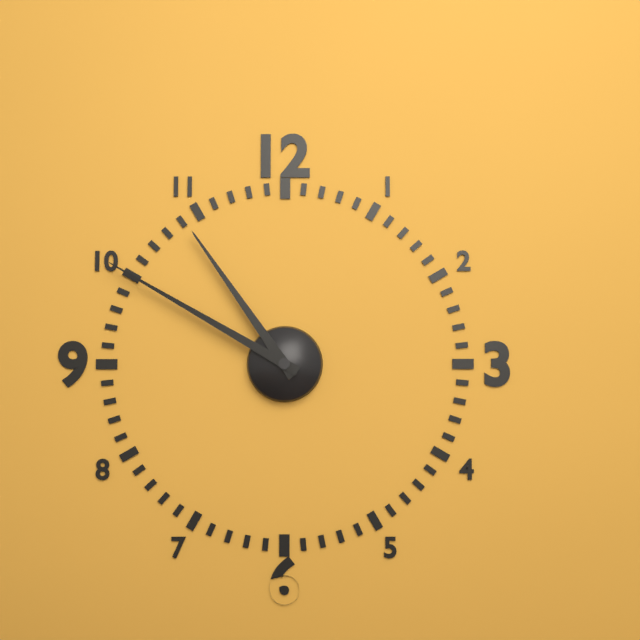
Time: **10:50**
